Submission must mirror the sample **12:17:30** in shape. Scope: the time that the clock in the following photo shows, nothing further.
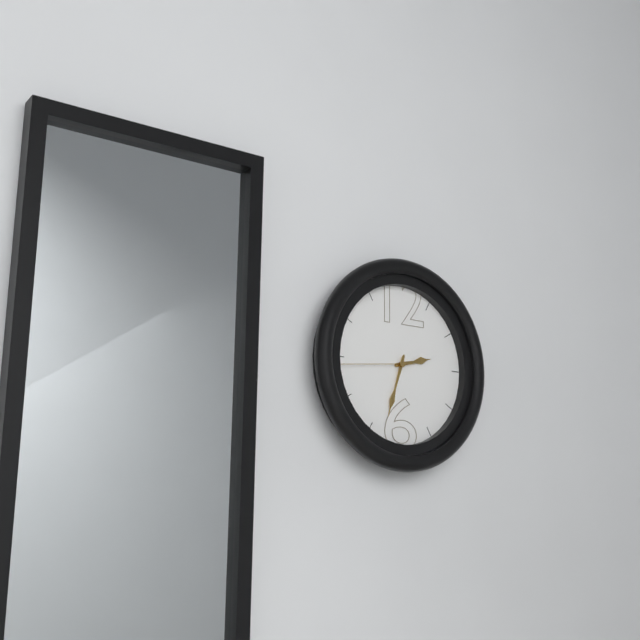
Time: **2:33:44**
